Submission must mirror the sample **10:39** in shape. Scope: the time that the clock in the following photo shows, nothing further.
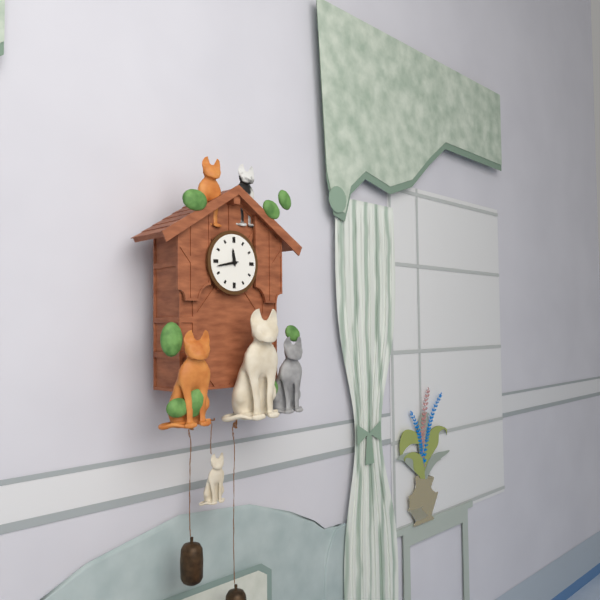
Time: **11:43**
